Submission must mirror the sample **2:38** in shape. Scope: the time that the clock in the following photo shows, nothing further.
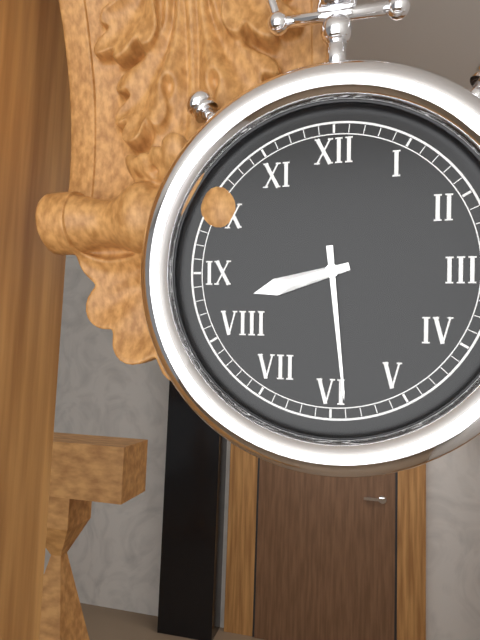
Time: **8:29**
